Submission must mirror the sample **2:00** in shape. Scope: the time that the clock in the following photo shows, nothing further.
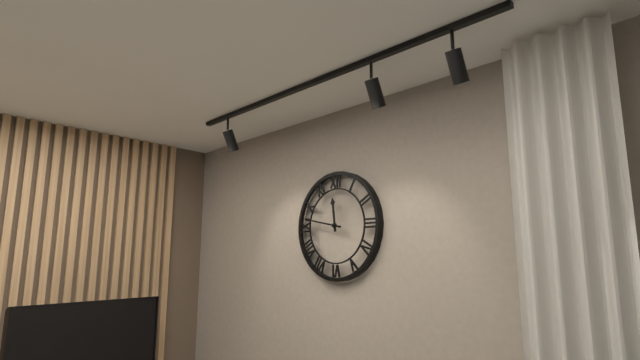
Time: **11:47**
